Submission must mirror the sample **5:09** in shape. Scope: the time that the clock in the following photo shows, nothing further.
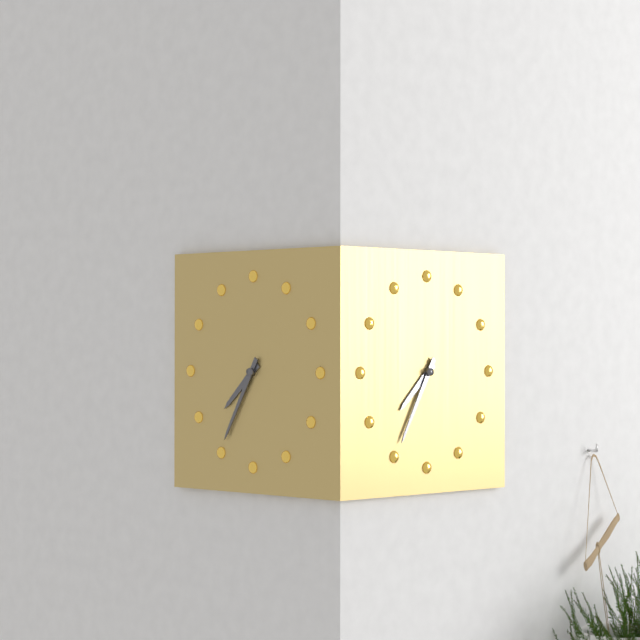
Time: **7:35**
